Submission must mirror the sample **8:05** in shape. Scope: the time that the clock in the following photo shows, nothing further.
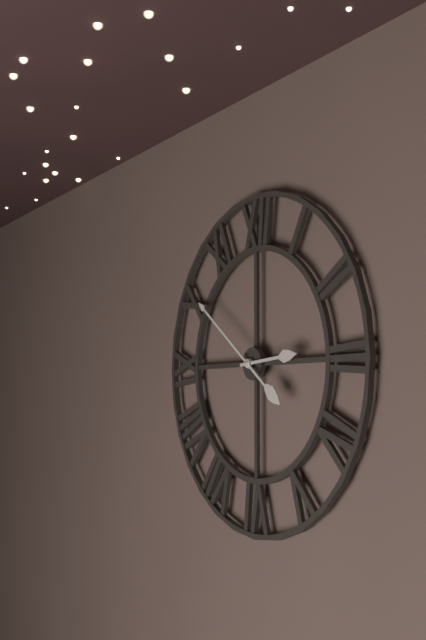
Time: **2:51**
